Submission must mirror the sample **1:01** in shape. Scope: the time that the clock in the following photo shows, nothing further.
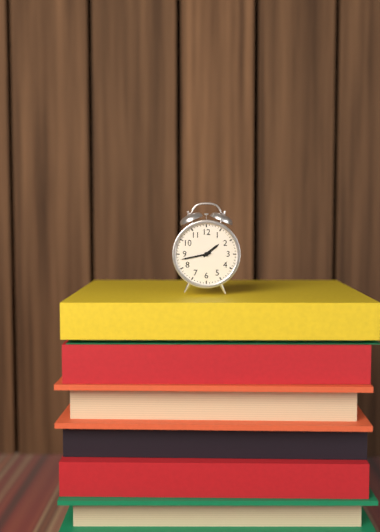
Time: **1:43**
